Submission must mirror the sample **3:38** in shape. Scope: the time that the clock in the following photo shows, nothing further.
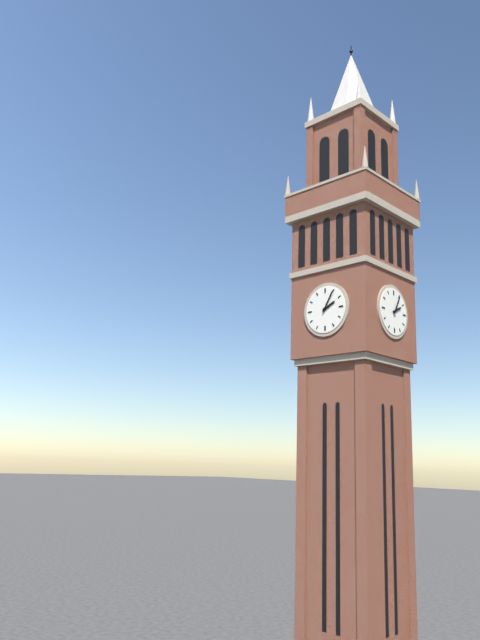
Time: **2:05**
